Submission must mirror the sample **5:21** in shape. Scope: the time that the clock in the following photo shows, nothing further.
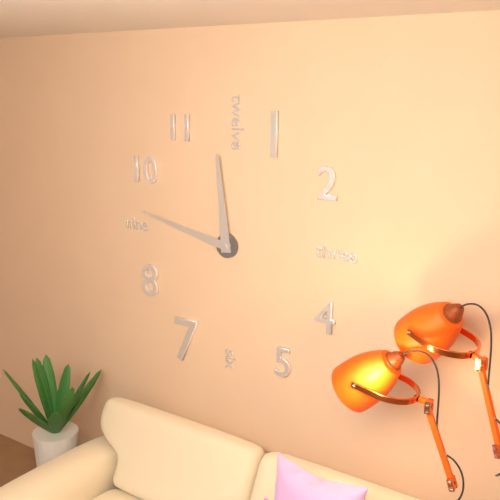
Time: **11:47**
